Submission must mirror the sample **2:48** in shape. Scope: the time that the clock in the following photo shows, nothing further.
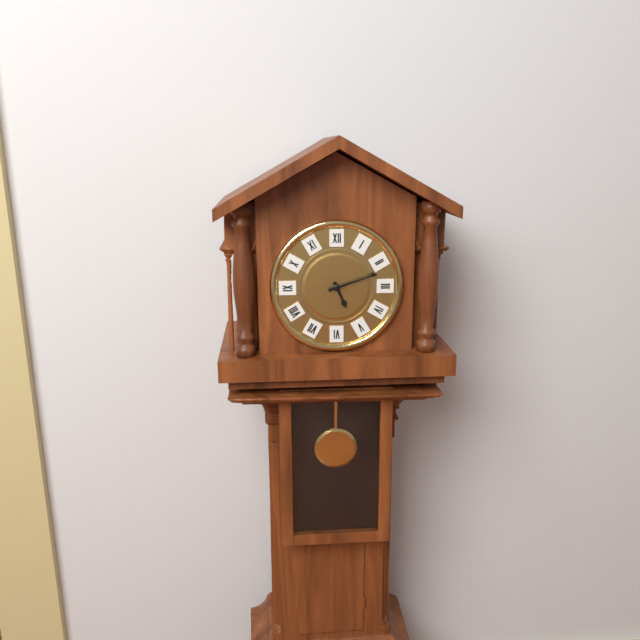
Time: **5:12**
